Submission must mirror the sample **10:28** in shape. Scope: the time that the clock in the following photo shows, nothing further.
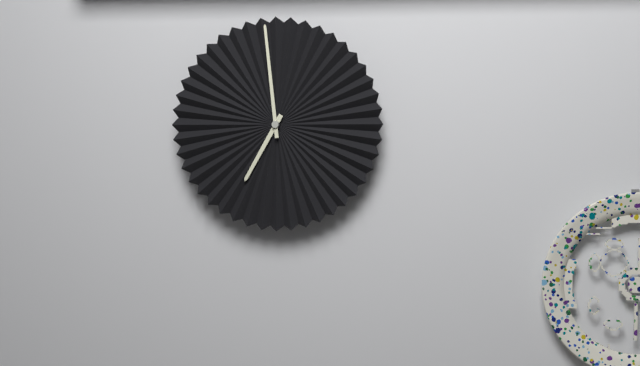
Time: **6:59**
